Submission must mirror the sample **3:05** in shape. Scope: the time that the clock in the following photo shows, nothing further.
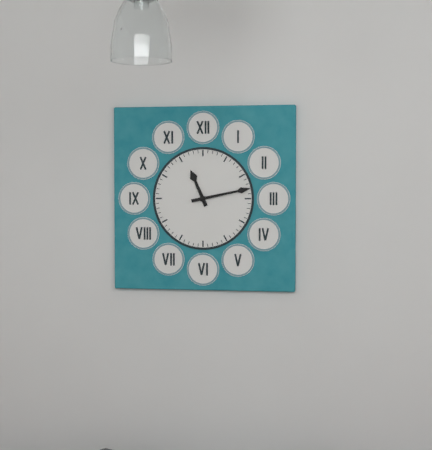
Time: **11:13**
